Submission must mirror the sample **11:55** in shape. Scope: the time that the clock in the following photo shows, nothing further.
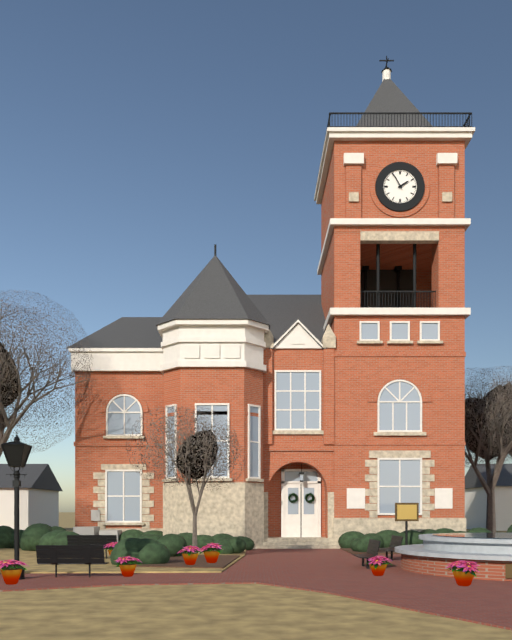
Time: **1:55**
